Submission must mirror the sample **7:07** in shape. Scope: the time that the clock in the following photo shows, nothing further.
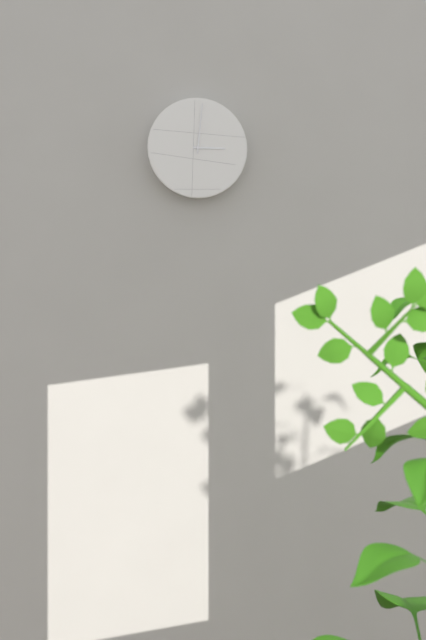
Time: **3:01**
